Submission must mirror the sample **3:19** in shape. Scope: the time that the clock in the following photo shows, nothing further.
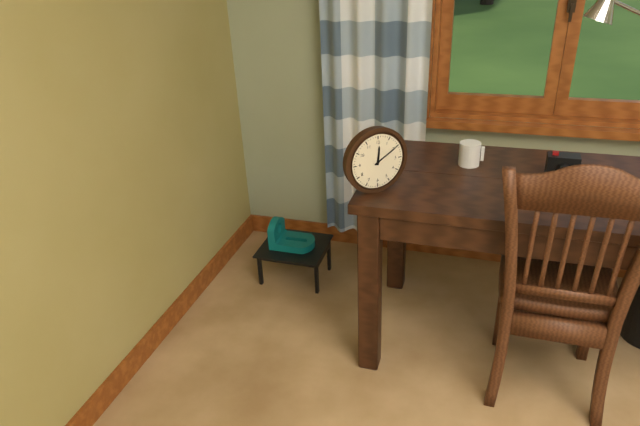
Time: **12:10**
